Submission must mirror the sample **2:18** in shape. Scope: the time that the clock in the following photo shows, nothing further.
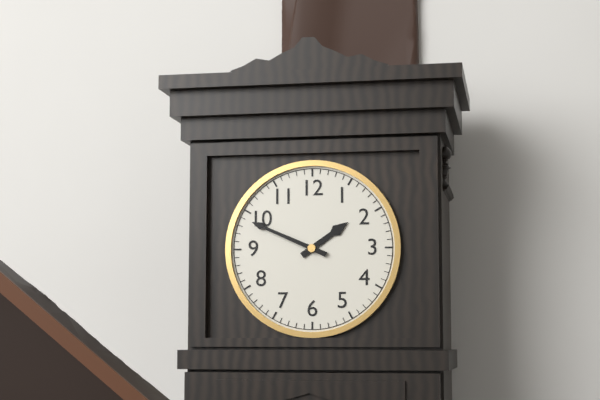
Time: **1:49**
